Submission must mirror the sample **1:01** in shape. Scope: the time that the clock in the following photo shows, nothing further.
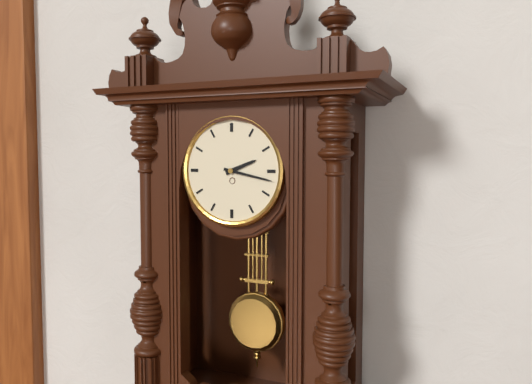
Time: **2:17**
